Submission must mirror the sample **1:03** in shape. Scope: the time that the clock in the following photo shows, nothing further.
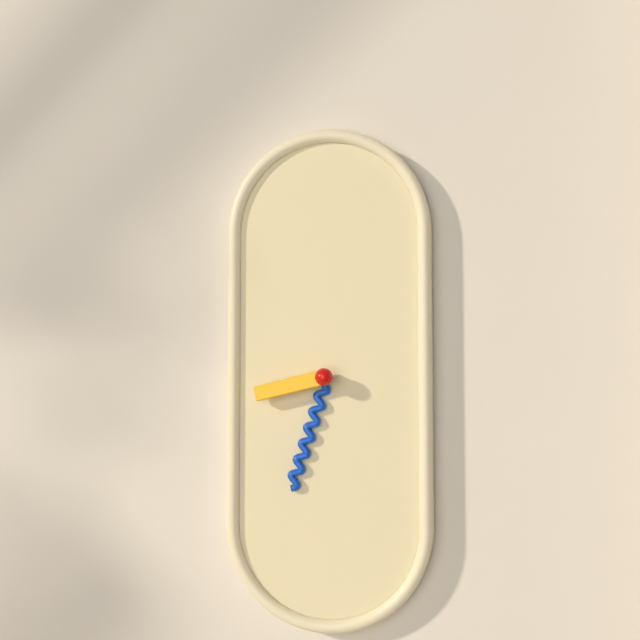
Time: **8:33**
